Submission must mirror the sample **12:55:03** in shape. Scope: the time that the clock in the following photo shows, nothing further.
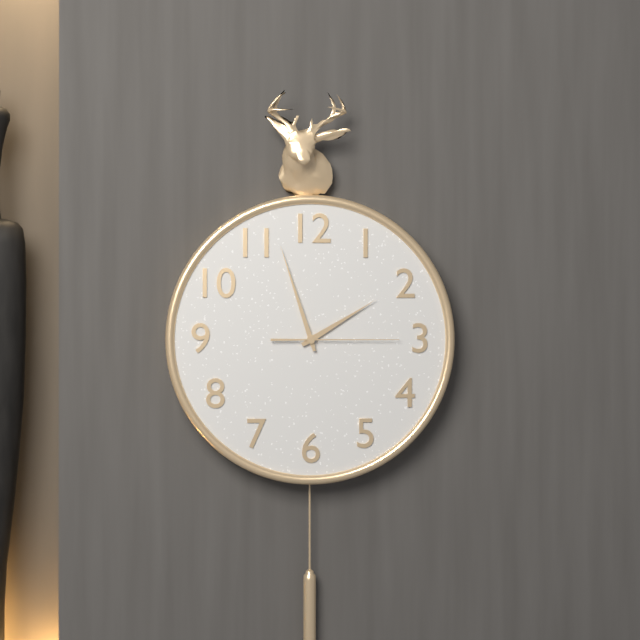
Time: **1:57:15**
